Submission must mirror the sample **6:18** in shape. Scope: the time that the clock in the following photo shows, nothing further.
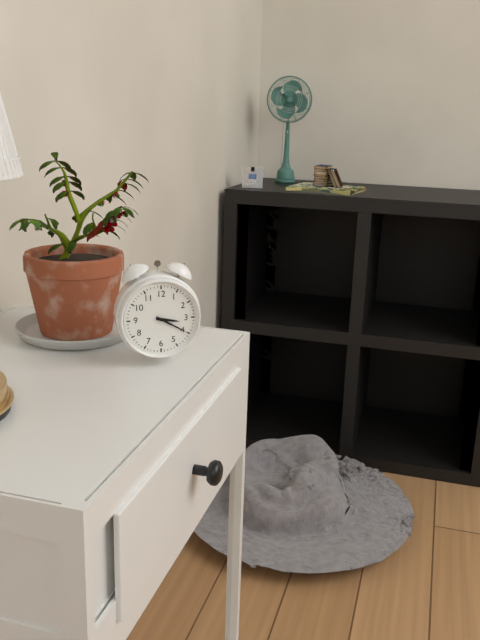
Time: **3:20**
